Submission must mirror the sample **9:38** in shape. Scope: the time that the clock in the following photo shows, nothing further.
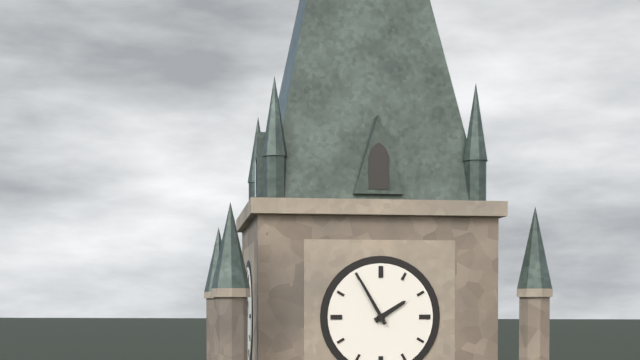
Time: **1:55**
